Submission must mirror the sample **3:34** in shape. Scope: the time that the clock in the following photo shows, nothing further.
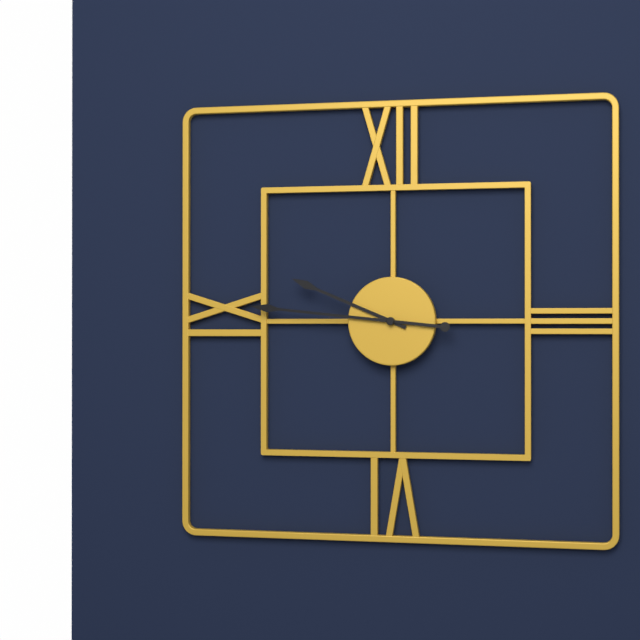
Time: **9:46**
